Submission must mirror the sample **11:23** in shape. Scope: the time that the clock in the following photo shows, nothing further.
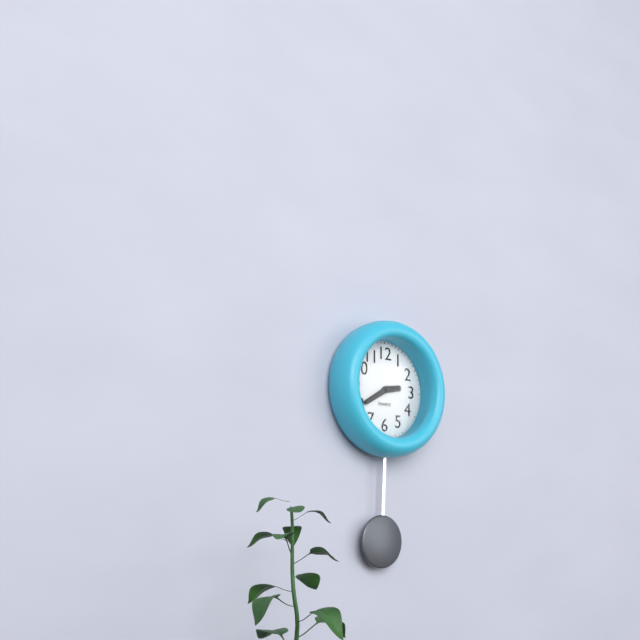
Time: **2:40**
